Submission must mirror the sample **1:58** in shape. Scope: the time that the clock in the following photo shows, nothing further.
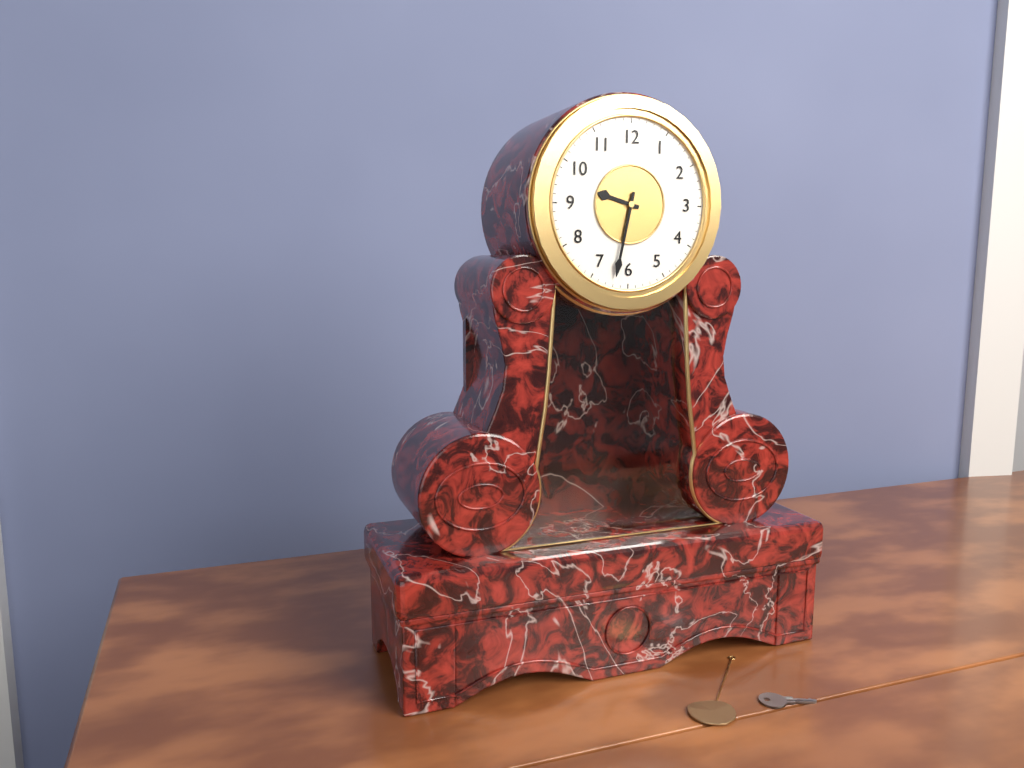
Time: **9:32**
